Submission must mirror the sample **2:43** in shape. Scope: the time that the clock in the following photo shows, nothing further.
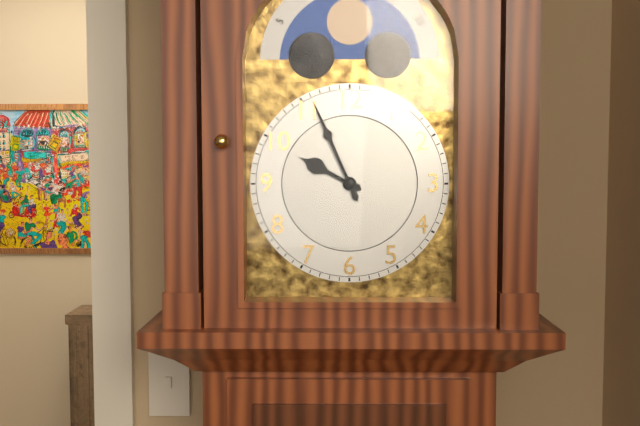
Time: **9:56**
